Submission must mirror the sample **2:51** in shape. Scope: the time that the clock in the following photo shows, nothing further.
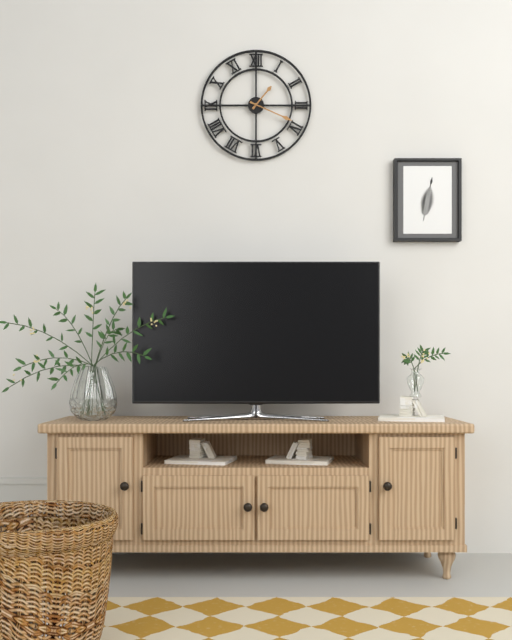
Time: **1:19**
